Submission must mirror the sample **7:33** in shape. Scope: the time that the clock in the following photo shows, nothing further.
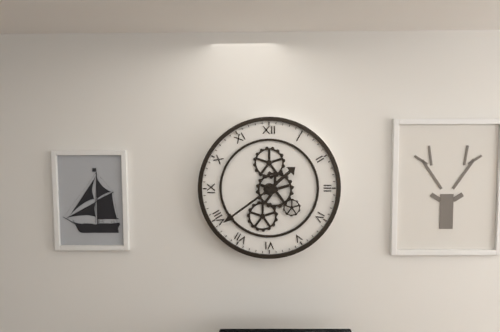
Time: **1:39**
